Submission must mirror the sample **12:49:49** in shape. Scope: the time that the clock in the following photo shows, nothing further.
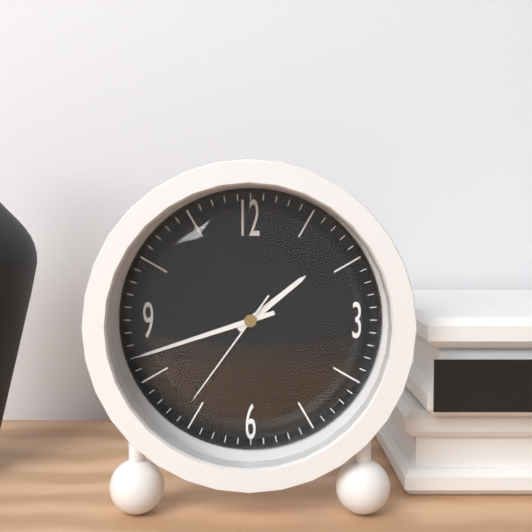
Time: **1:42:36**
